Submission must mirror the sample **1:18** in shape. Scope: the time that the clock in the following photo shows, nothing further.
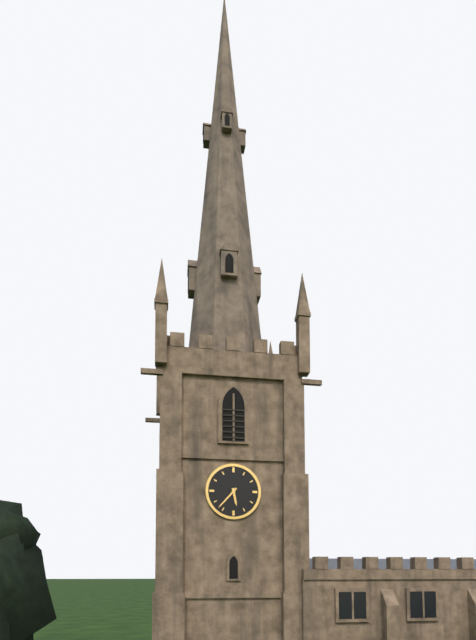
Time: **5:37**
